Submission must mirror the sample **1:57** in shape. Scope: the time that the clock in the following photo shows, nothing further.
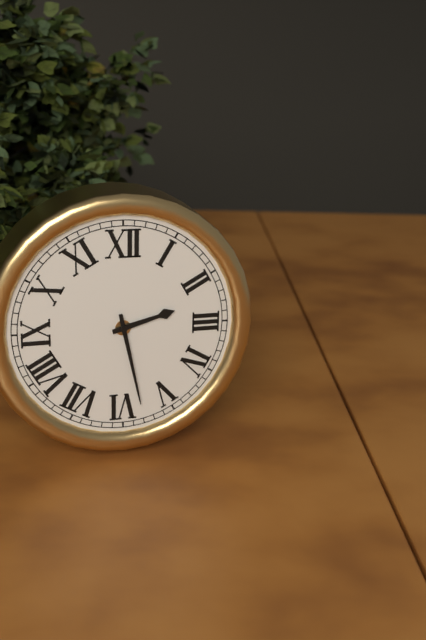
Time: **2:28**
